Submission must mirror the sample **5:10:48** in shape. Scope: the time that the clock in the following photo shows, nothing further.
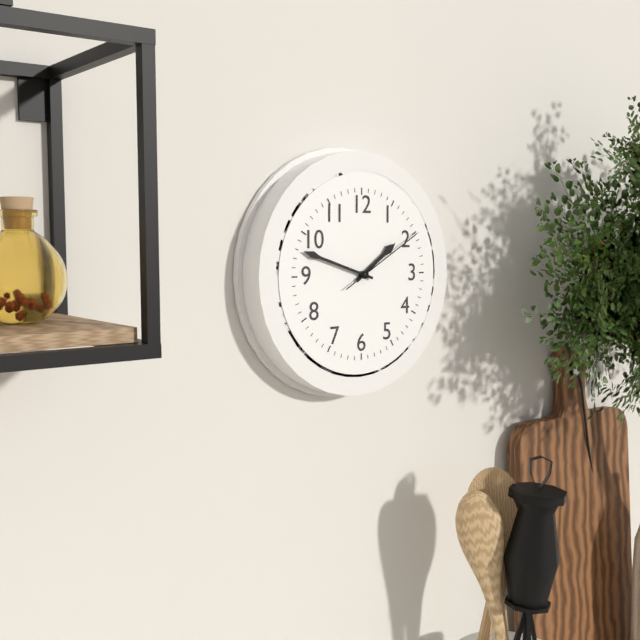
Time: **1:48:10**
